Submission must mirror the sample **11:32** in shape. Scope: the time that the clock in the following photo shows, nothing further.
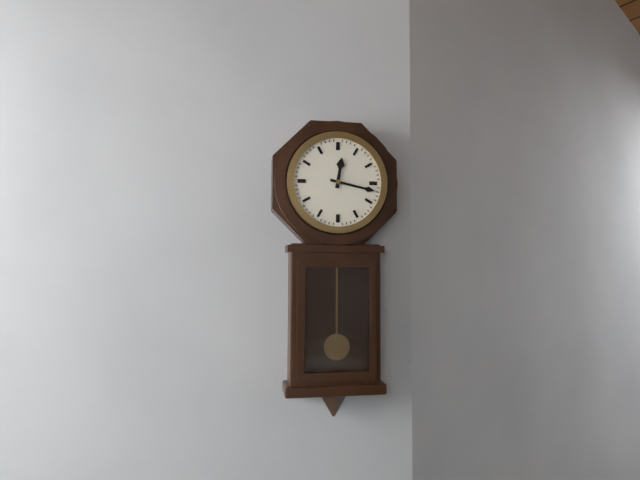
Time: **12:17**
